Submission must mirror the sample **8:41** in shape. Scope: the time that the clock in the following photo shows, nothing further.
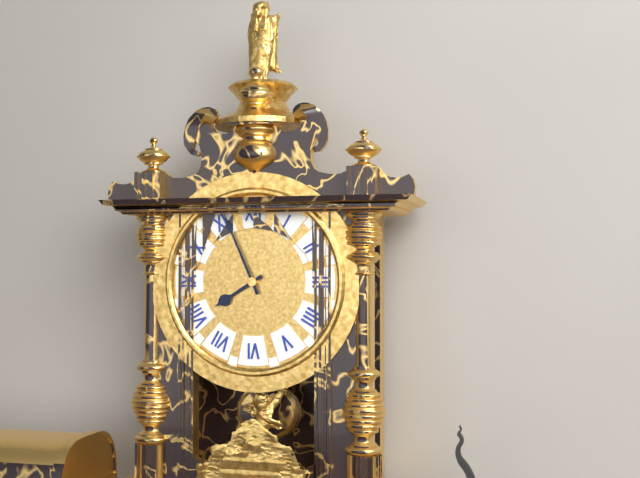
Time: **7:56**
